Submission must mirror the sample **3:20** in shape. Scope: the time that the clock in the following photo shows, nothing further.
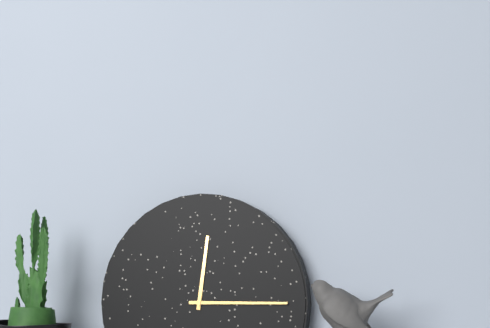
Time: **12:15**
